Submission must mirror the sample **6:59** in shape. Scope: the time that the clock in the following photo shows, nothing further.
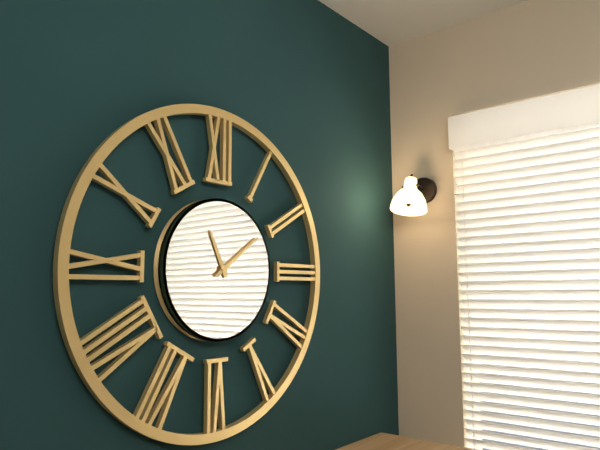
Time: **11:09**
